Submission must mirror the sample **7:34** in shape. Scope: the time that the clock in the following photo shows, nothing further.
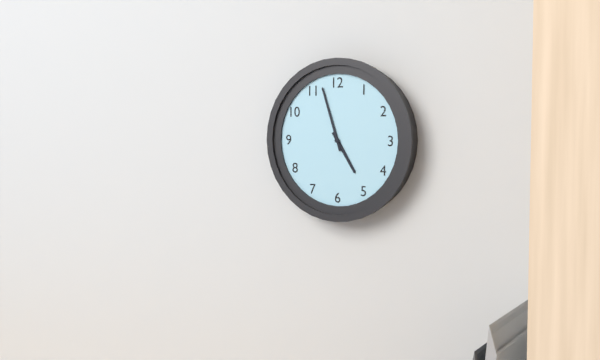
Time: **4:57**
